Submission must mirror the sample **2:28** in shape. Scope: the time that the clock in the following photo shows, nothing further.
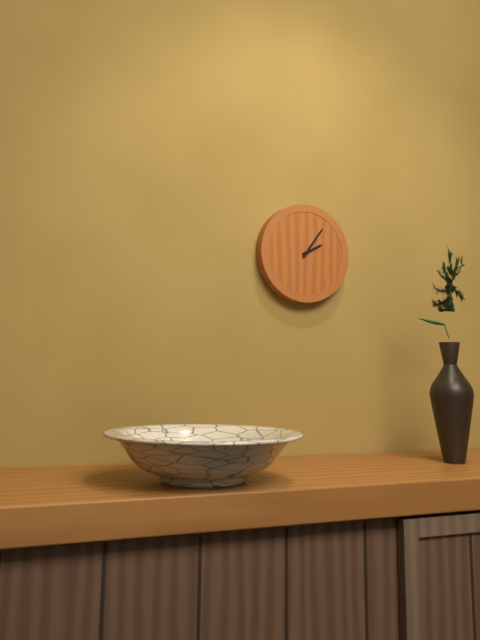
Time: **2:06**
